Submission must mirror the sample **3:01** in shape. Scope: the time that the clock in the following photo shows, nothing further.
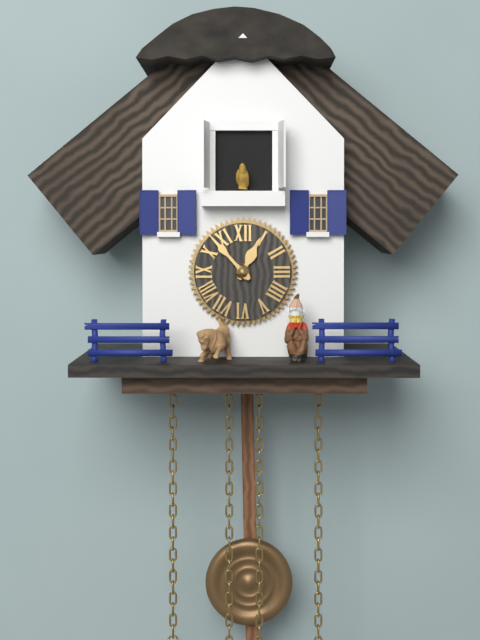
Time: **12:53**
